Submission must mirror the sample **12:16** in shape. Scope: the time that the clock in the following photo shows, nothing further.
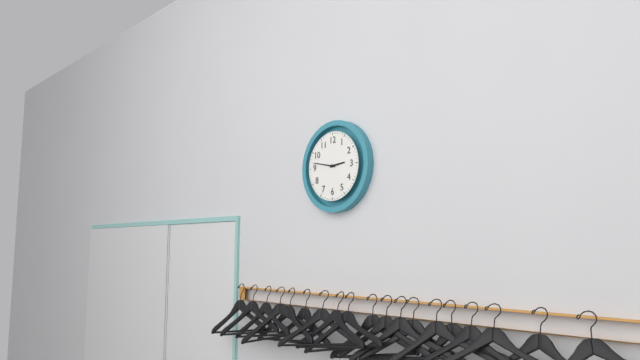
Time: **2:47**
